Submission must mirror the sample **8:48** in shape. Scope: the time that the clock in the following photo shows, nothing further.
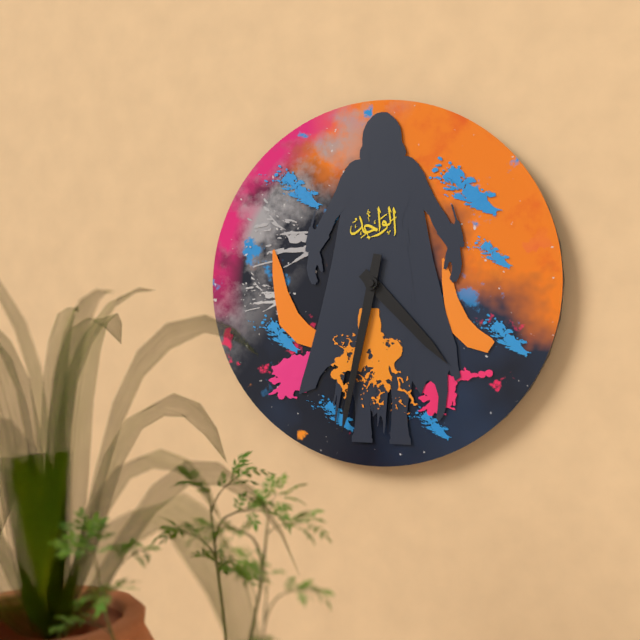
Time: **4:32**
